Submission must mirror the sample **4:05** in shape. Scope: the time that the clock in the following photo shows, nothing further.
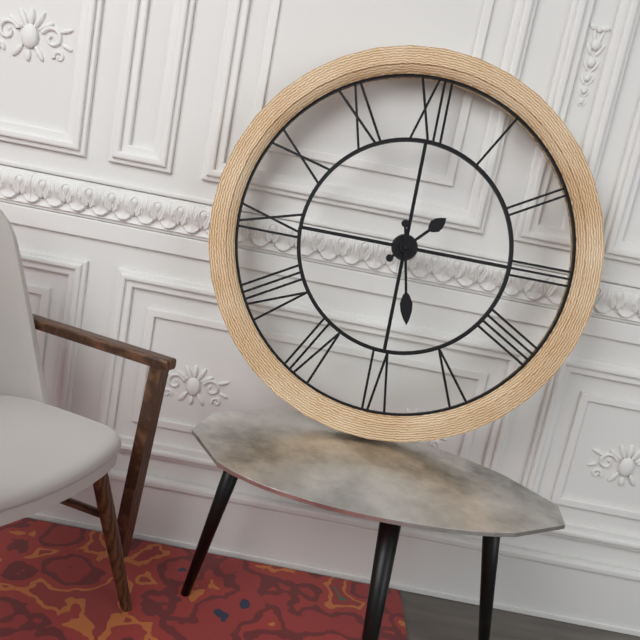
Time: **1:28**
